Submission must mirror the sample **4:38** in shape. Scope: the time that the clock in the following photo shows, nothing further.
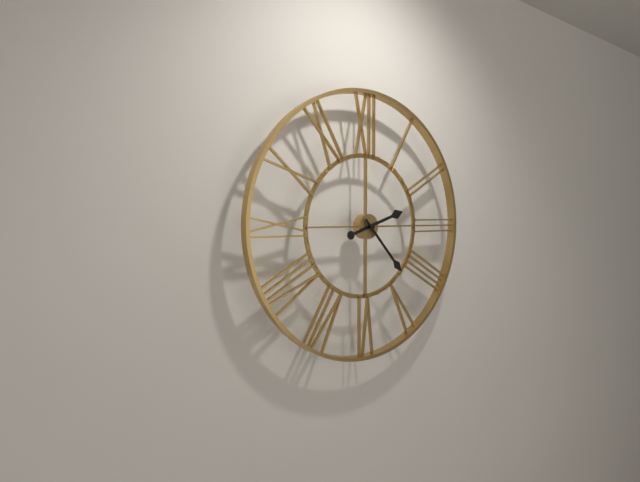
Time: **2:23**
